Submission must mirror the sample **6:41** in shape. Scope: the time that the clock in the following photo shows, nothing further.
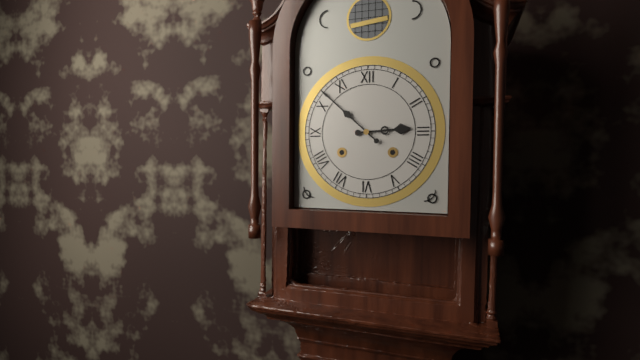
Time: **2:52**
